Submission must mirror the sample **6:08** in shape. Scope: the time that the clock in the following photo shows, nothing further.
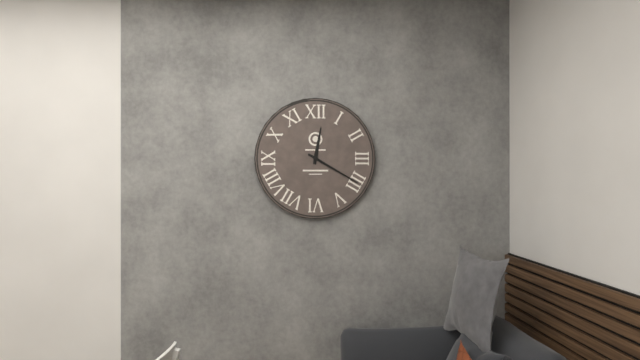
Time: **12:20**
